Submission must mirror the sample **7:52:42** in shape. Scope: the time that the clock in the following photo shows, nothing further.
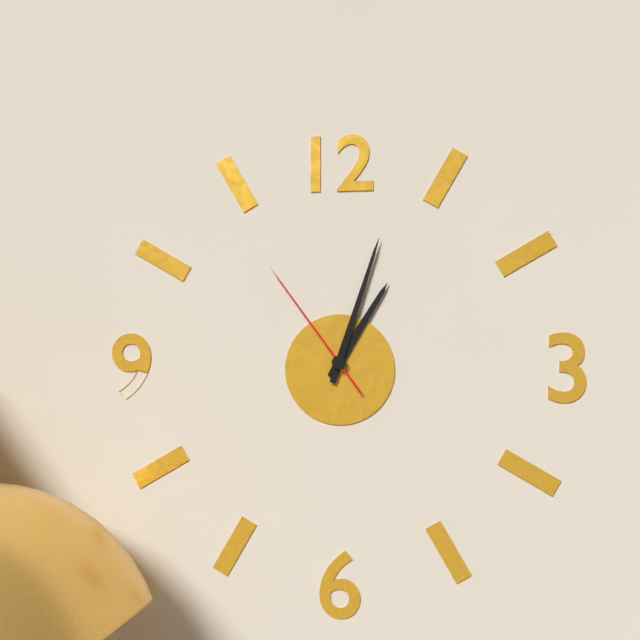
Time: **1:03:54**
